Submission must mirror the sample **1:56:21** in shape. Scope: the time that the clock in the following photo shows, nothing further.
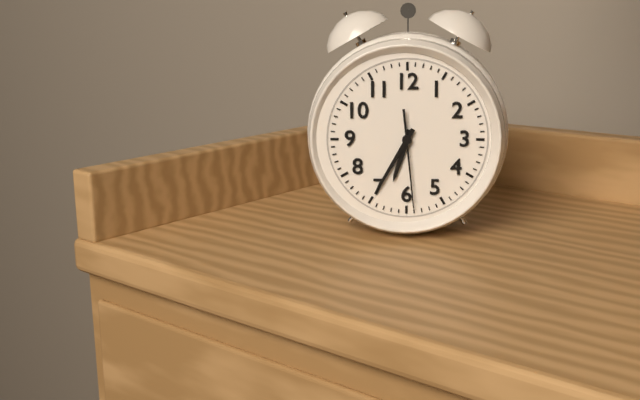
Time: **6:35:29**
